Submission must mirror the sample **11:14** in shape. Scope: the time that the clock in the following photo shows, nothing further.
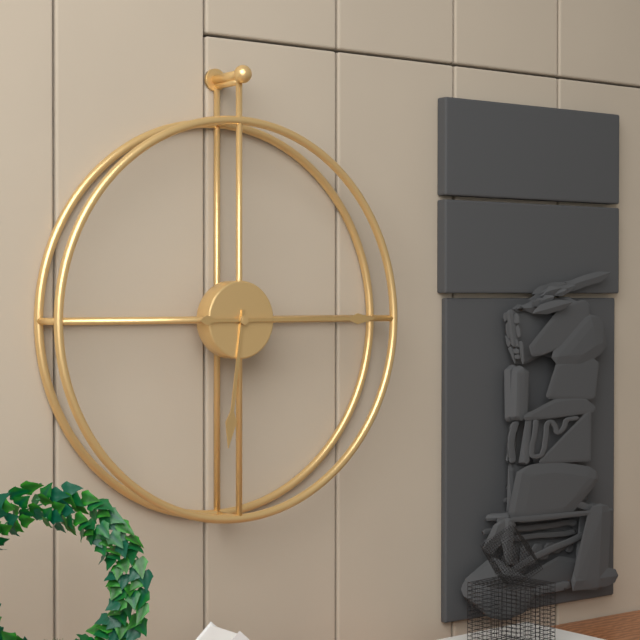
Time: **6:15**
